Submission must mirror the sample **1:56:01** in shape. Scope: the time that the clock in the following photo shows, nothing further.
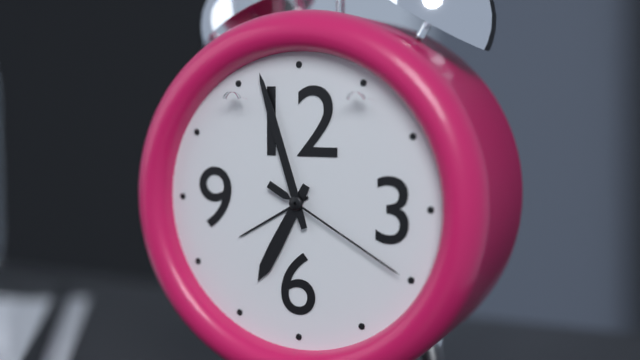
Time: **6:57:20**
